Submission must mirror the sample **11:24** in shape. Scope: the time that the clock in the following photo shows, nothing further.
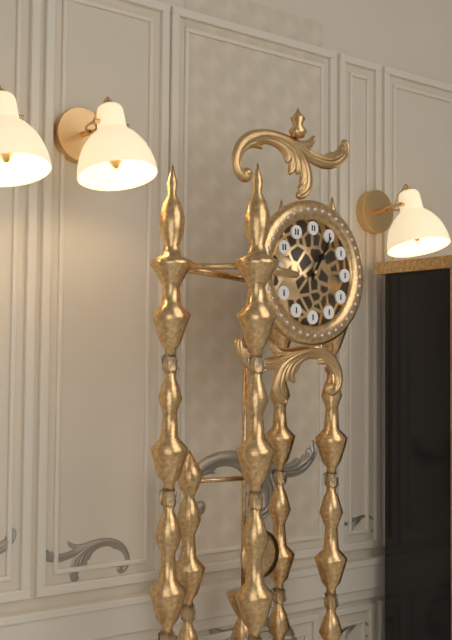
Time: **1:05**
